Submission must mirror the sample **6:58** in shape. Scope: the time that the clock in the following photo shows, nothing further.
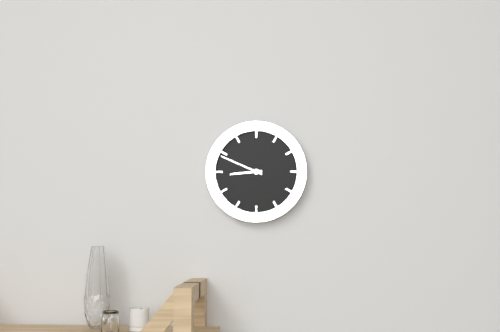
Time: **8:49**
